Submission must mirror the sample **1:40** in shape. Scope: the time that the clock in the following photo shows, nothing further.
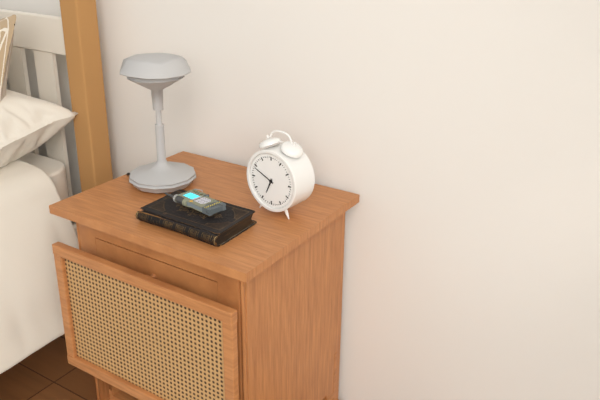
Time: **6:49**
